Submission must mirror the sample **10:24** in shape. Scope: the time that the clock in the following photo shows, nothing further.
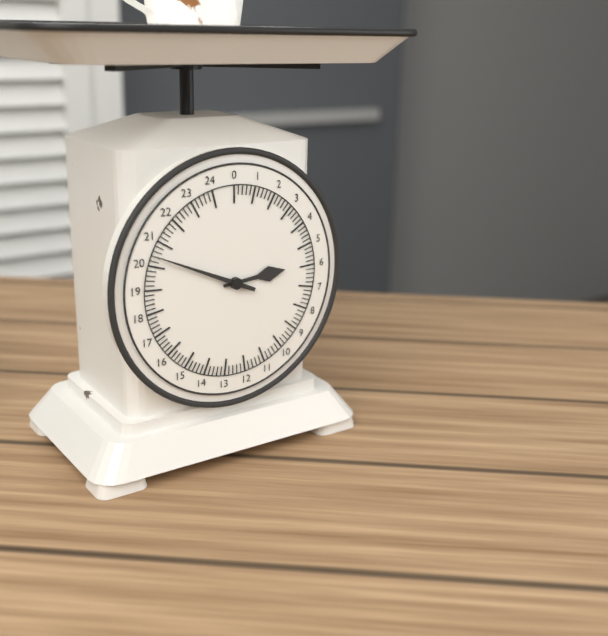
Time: **2:49**
